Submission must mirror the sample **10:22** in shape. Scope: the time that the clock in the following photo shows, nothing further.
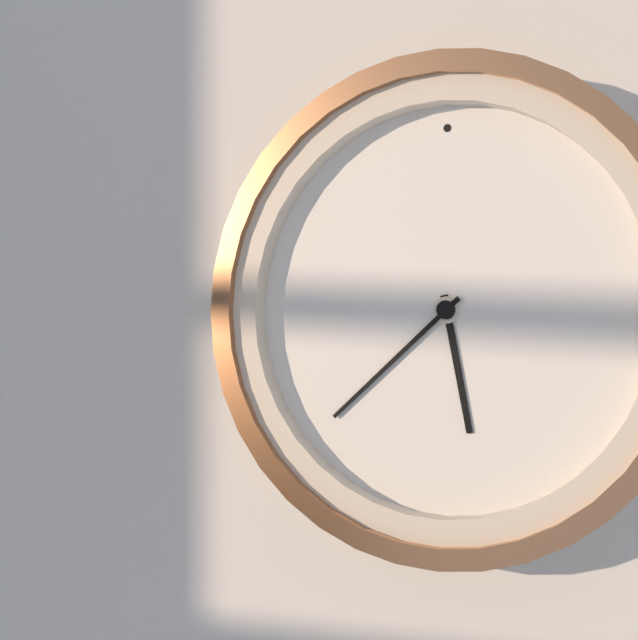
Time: **5:38**
